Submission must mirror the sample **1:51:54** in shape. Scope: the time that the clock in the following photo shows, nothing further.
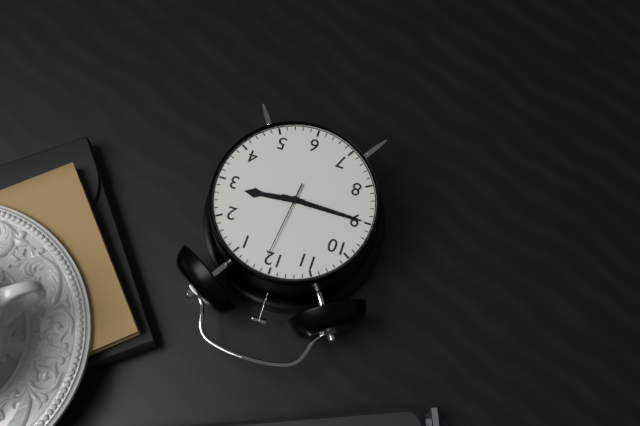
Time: **2:45:01**
